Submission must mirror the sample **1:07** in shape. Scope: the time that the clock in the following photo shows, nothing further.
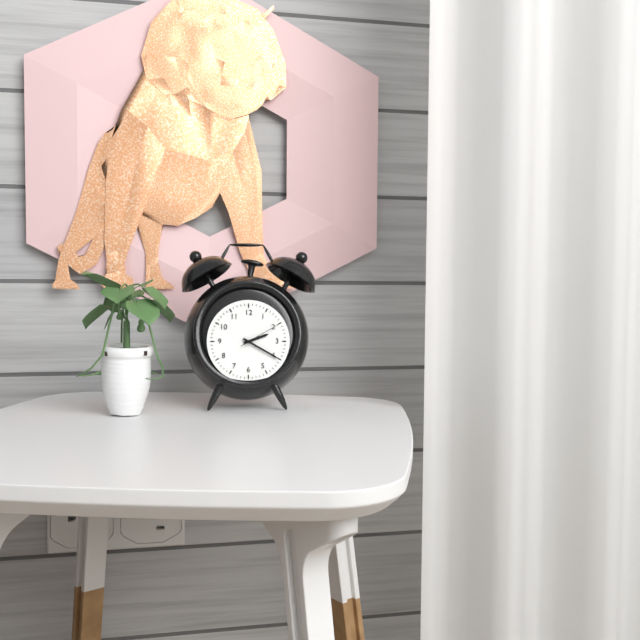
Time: **2:20**
